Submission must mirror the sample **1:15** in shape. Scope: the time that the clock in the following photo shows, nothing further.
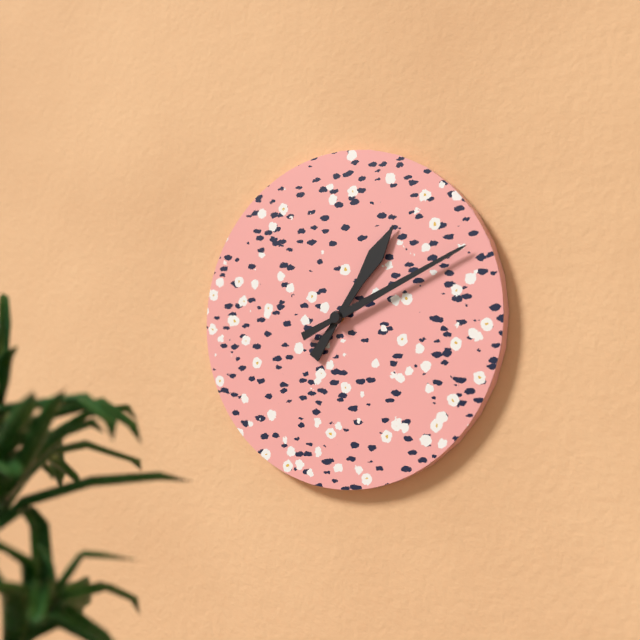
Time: **1:11**
